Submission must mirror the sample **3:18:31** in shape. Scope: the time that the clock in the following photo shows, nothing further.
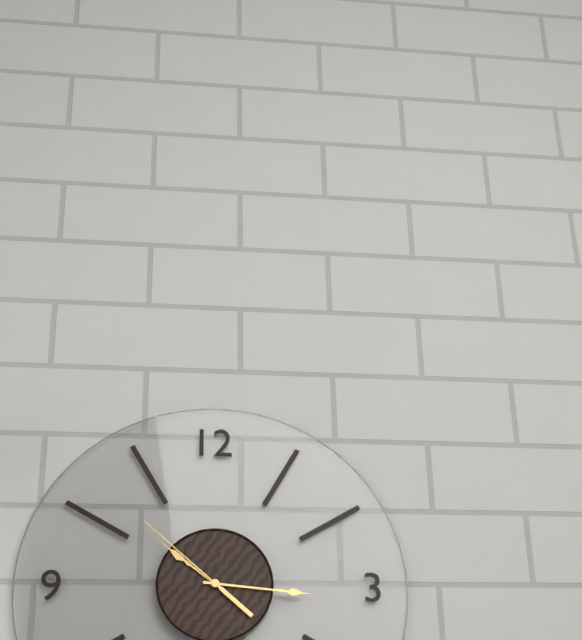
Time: **10:16:52**
